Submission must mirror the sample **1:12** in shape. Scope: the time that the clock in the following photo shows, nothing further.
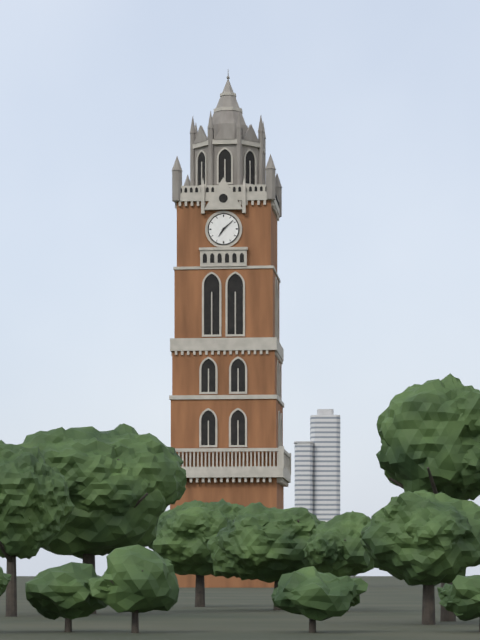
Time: **7:08**
